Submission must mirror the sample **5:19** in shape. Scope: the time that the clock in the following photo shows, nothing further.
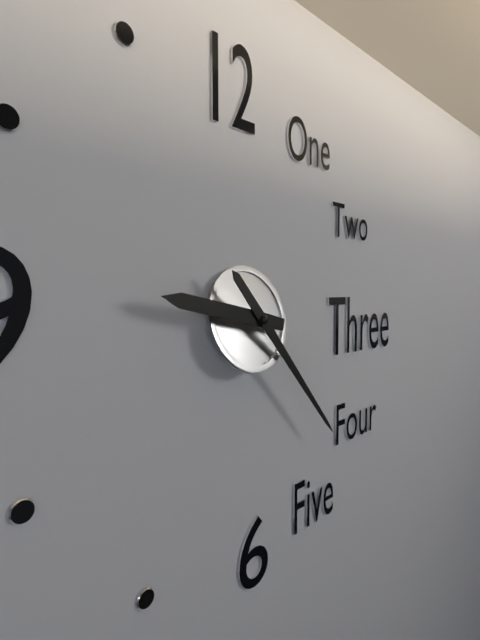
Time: **9:23**
